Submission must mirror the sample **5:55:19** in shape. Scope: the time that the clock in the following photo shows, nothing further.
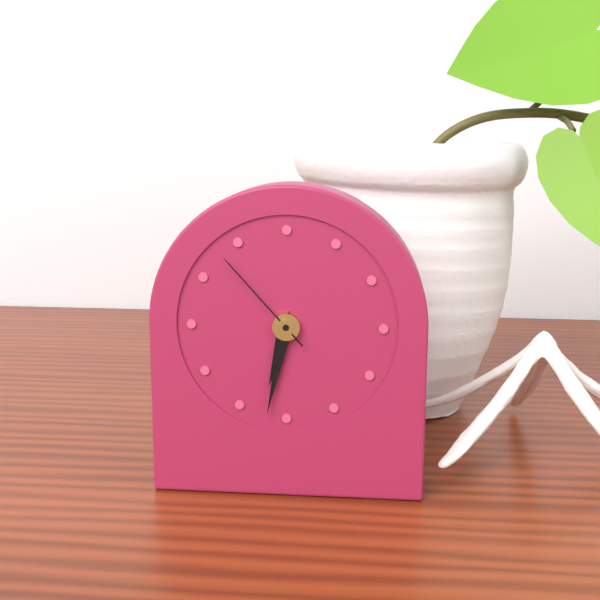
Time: **6:32:53**
